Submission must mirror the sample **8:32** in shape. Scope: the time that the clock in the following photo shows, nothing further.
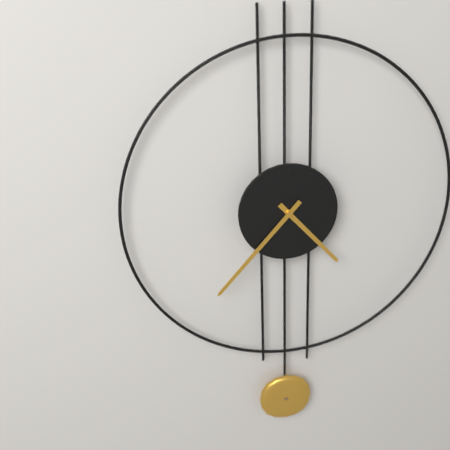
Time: **4:37**
